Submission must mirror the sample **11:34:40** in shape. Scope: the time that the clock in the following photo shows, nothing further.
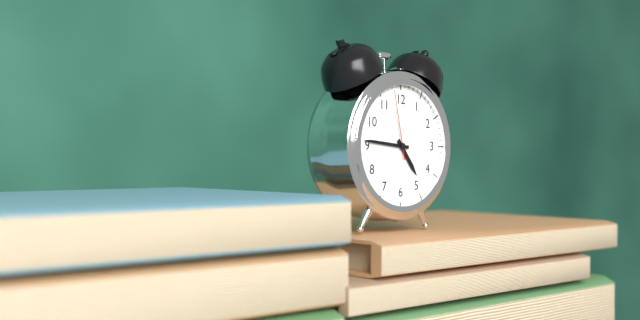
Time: **4:46:58**
